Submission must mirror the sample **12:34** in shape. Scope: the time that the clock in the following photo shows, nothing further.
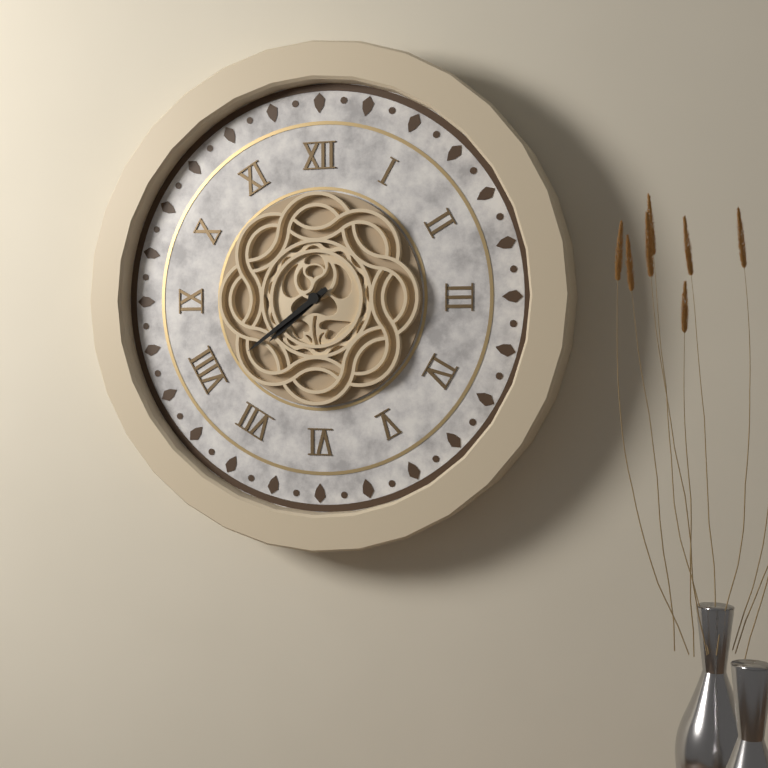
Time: **7:39**
